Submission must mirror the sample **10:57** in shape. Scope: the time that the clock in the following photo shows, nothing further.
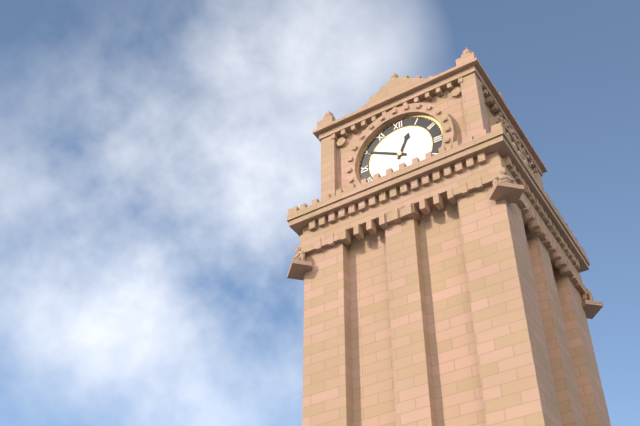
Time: **12:50**
